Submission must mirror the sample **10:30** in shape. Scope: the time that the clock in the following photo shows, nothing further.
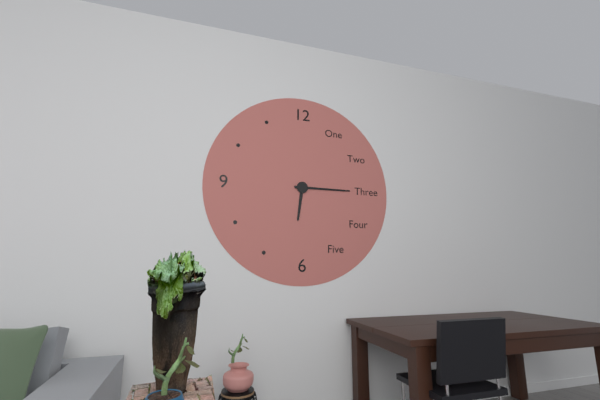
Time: **6:15**
